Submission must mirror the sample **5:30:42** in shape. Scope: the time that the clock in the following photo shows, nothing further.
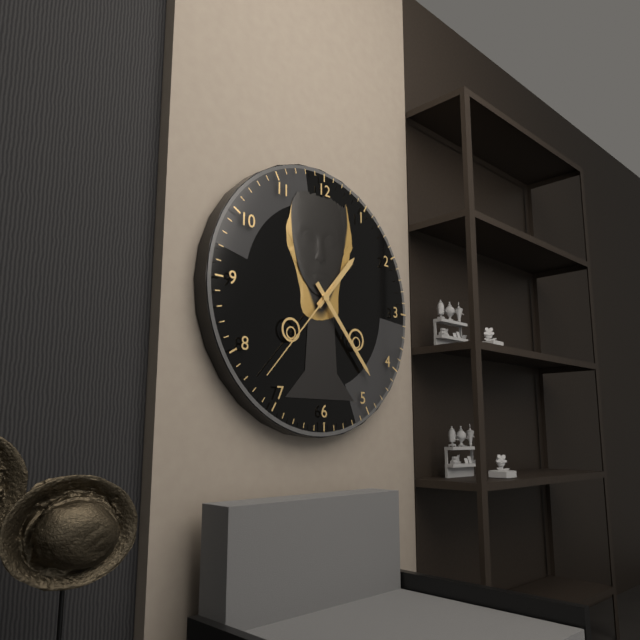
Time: **1:23:37**
